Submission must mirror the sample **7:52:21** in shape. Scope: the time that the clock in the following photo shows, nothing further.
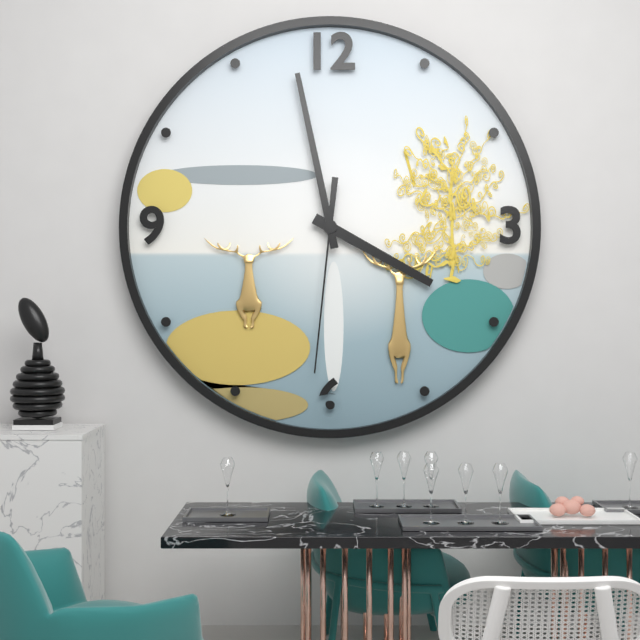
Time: **3:58:31**
